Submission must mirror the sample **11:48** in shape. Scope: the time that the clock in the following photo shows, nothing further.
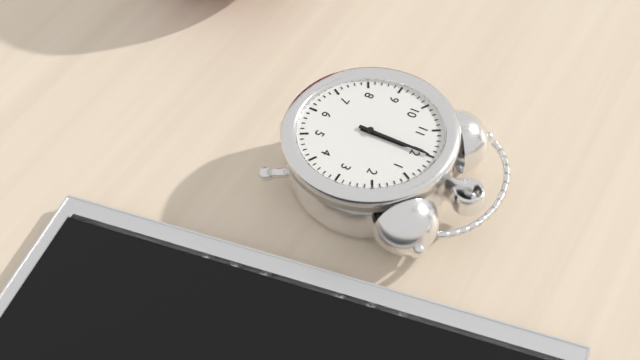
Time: **12:00**
